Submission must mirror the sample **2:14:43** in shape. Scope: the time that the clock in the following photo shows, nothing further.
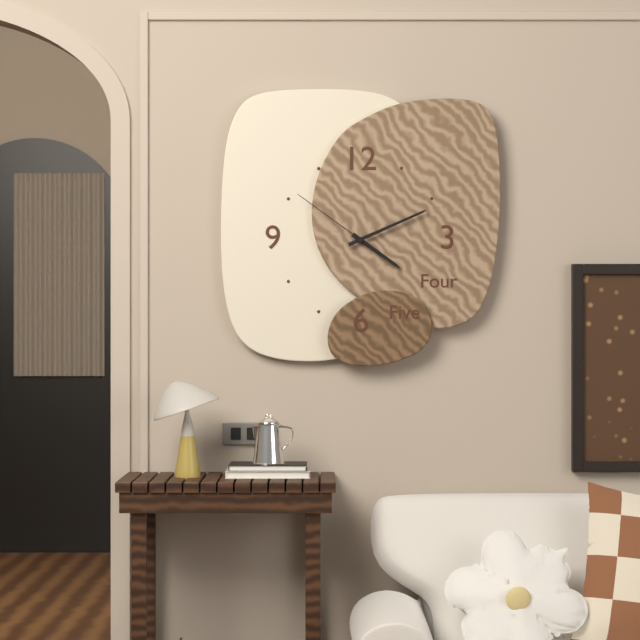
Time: **4:11:51**
